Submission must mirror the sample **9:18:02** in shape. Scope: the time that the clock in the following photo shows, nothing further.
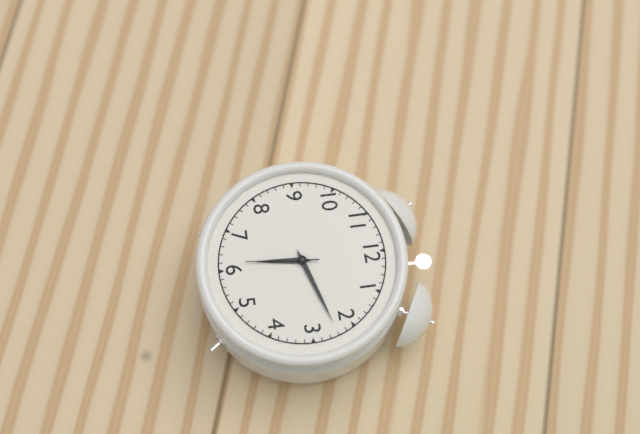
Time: **6:12:31**
